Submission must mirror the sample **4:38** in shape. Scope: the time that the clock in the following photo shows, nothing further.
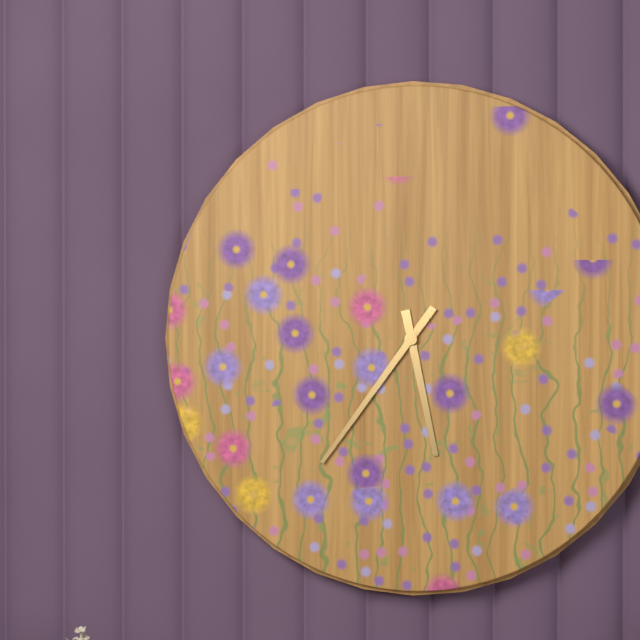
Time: **5:36**
